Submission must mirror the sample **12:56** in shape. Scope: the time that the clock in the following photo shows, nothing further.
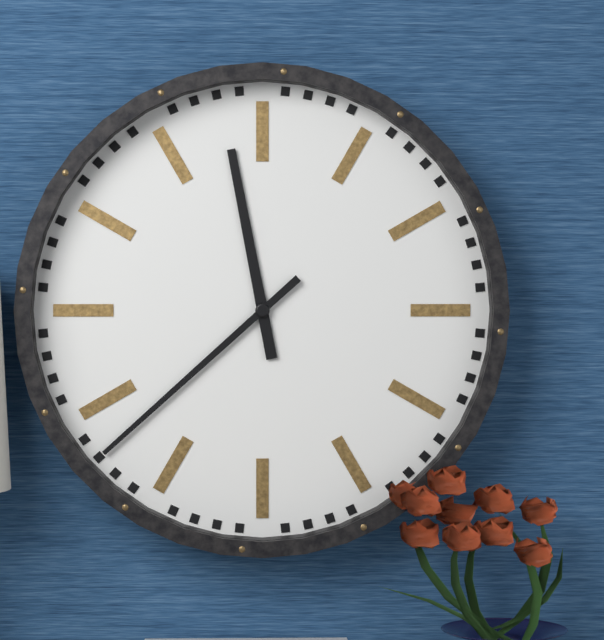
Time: **11:38**
